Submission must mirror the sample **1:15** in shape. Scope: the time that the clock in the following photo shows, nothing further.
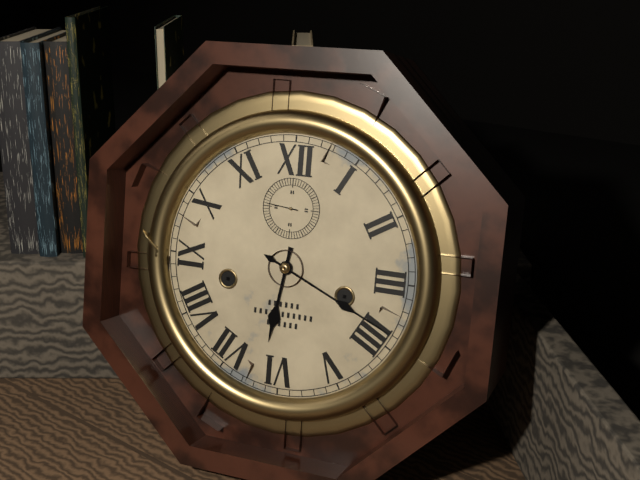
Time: **6:19**
